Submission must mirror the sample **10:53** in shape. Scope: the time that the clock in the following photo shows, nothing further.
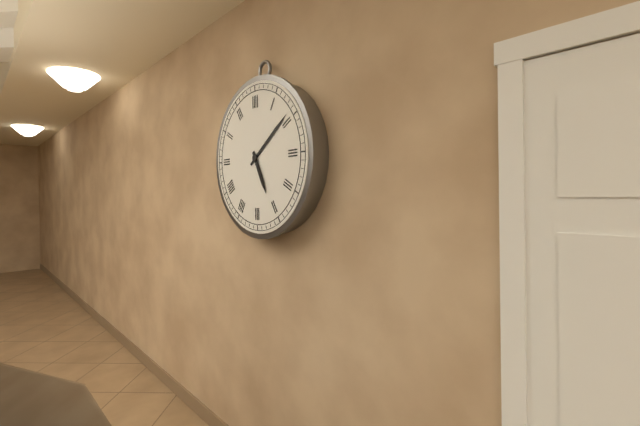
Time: **5:09**
